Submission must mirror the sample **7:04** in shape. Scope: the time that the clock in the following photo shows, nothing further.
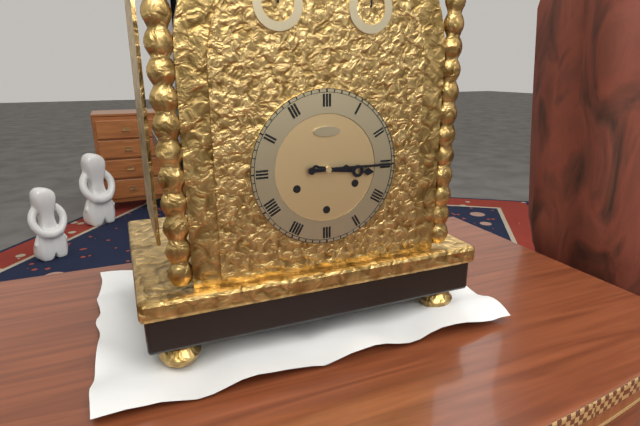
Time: **3:15**
